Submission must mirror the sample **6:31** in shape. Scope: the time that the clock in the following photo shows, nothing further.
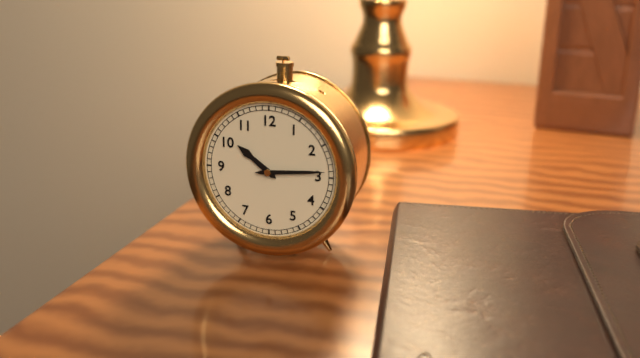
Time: **10:14**
